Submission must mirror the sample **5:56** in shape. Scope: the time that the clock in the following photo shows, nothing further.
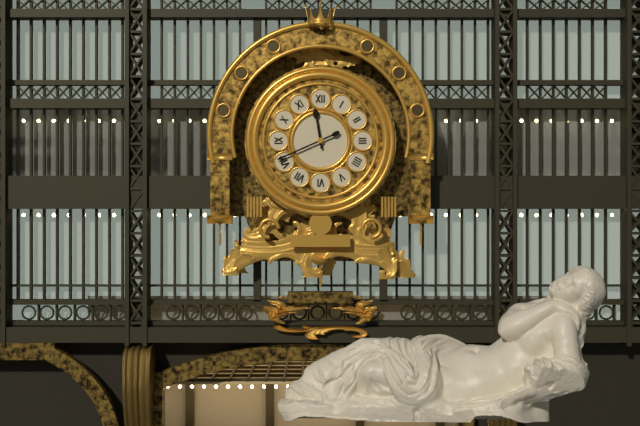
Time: **11:41**
